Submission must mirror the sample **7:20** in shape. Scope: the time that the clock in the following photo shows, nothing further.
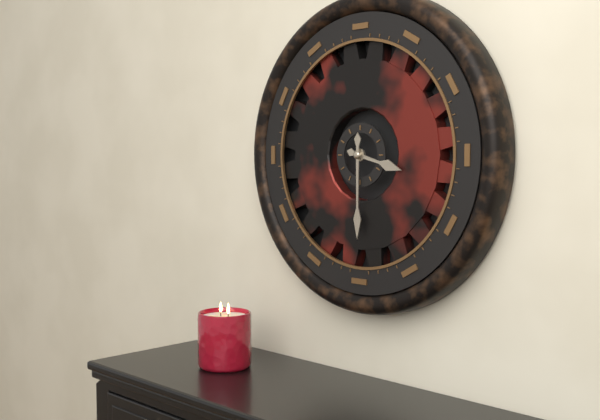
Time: **3:30**
